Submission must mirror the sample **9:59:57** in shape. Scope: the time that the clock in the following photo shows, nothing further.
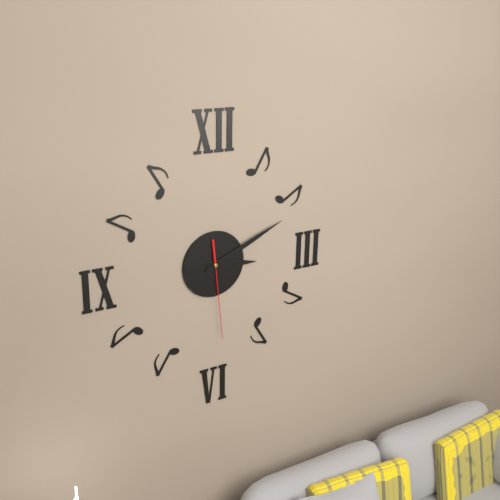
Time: **3:11:29**
